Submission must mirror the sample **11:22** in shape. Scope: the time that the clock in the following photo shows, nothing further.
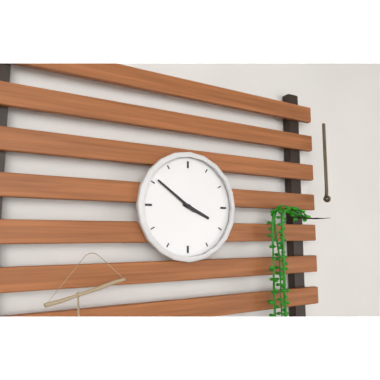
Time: **3:51**
